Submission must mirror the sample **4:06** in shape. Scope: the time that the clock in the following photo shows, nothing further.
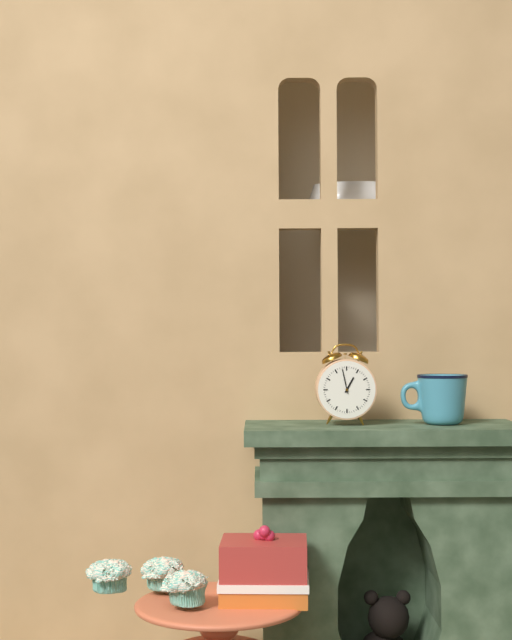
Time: **12:58**
